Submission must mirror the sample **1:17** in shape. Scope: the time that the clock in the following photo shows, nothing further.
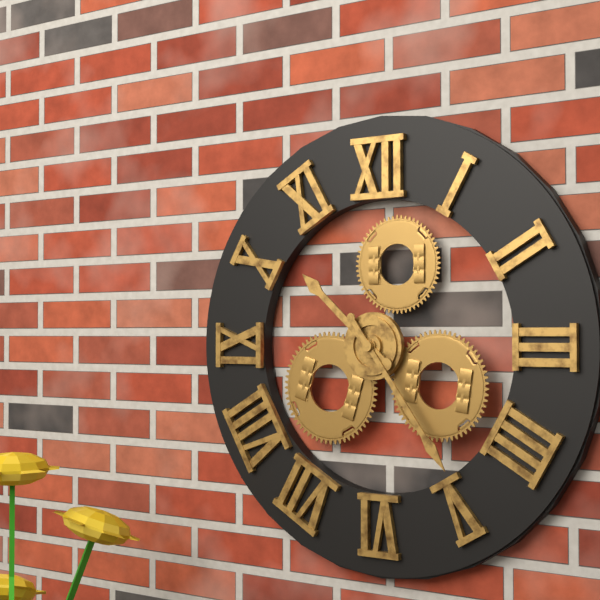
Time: **10:24**
